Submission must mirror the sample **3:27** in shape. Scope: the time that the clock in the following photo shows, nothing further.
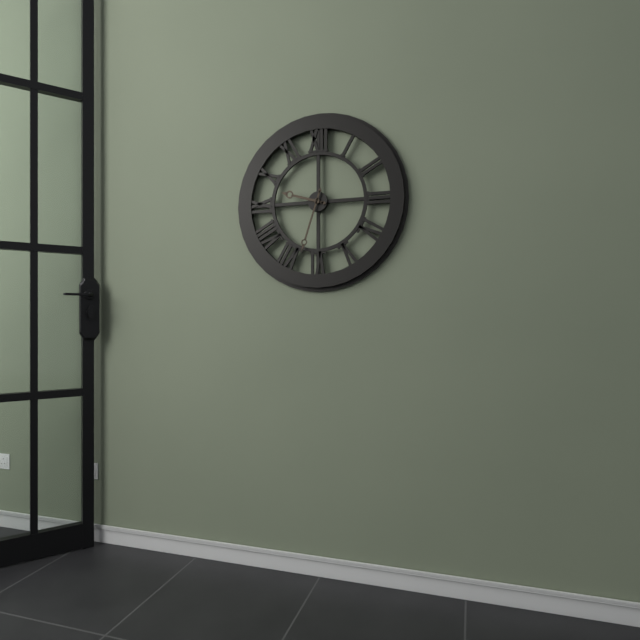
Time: **9:33**
